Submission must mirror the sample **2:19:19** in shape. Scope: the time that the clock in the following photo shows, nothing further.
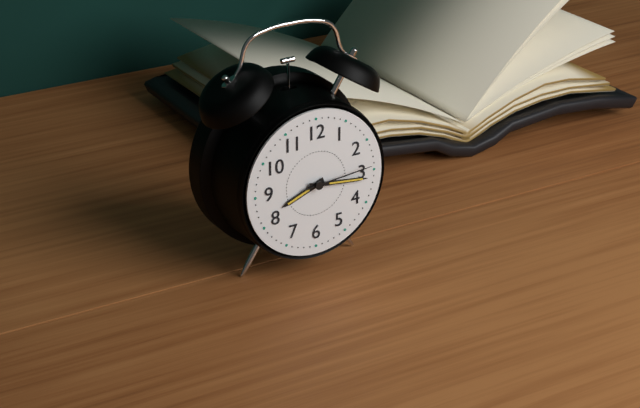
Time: **8:16:14**
